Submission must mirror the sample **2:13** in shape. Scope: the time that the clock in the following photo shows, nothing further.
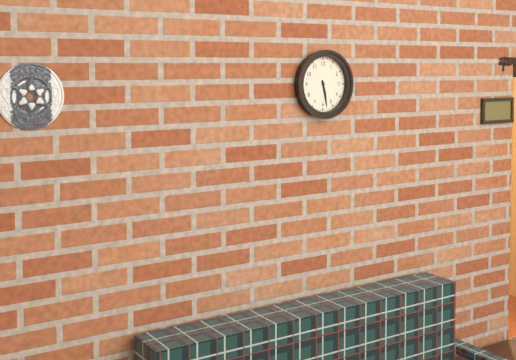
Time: **5:28**
